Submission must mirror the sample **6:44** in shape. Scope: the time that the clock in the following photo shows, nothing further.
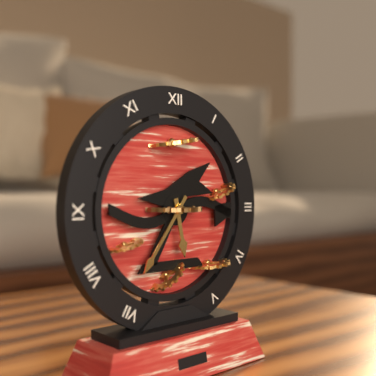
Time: **5:36**
